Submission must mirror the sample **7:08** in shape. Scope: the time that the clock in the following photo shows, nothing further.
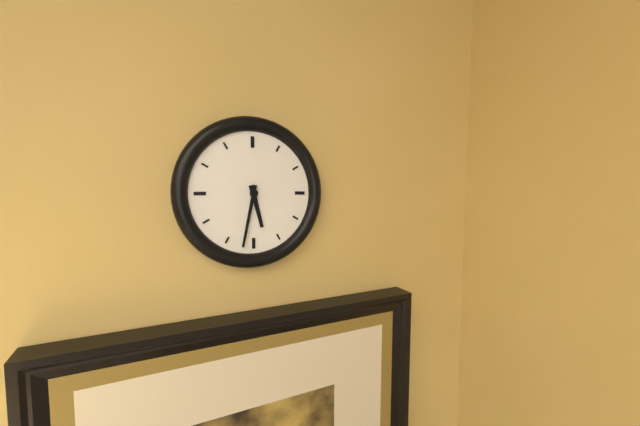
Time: **5:32**
